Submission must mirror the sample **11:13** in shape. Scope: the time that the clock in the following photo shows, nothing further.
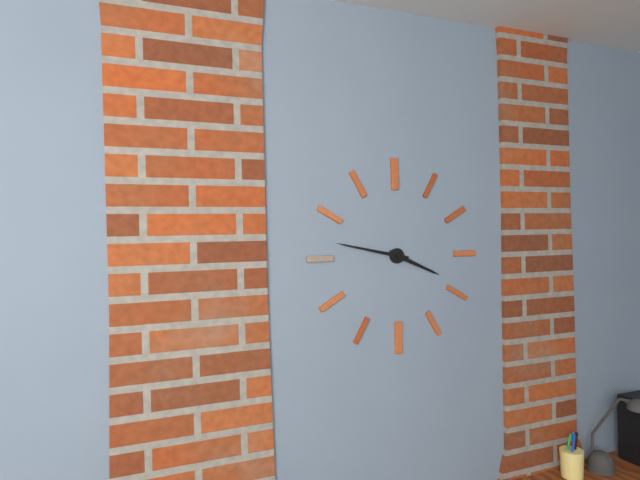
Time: **3:47**
